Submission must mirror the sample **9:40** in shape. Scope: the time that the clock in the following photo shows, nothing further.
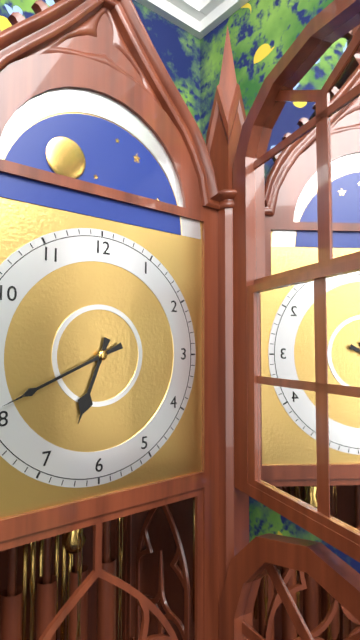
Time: **6:41**
